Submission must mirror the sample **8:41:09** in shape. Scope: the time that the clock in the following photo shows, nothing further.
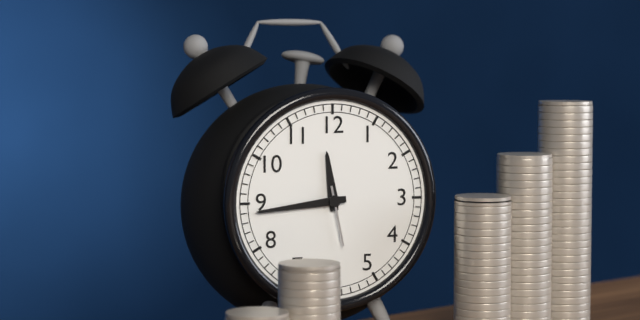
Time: **11:44:28**
